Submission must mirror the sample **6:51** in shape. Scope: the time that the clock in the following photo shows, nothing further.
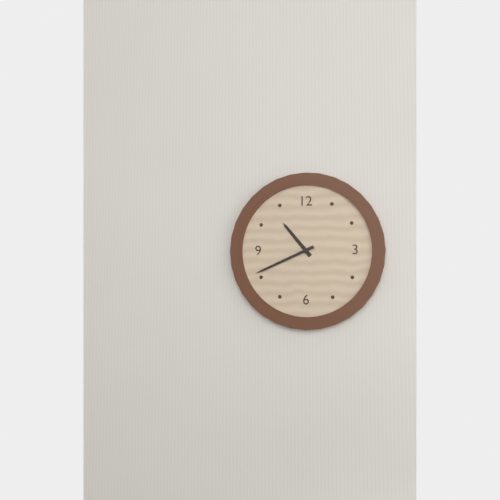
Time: **10:41**
